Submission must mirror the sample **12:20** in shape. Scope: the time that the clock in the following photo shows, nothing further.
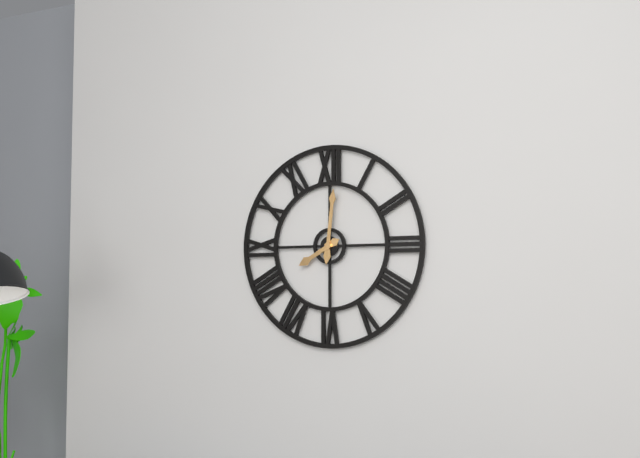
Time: **8:01**
